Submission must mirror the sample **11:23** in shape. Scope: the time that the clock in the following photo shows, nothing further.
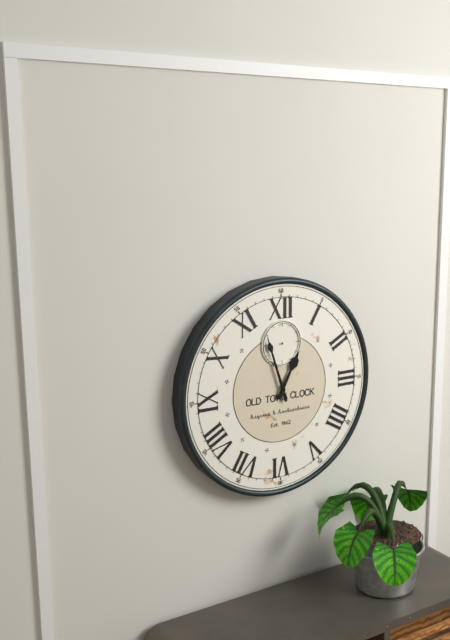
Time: **12:57**
